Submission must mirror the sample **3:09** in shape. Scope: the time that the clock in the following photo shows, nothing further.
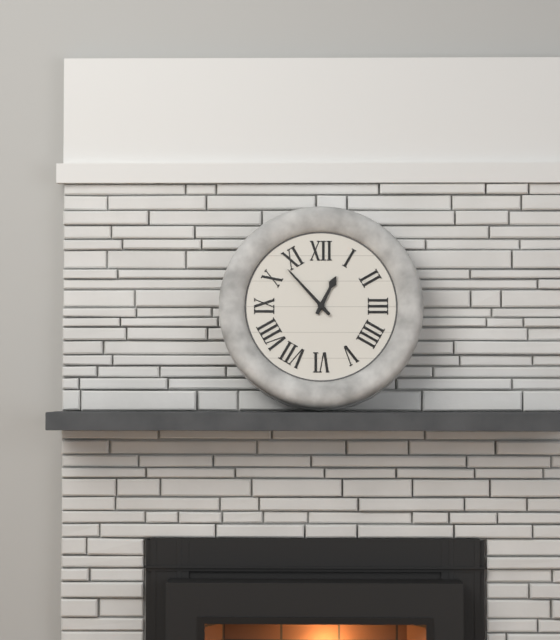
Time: **12:53**
